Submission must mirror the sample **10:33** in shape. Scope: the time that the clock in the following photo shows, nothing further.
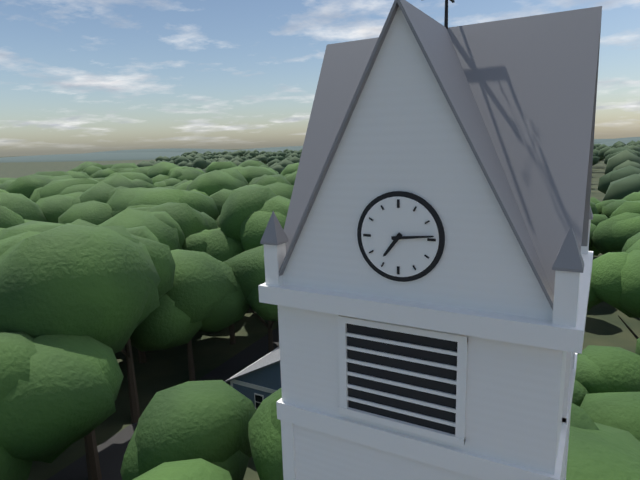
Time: **7:14**
